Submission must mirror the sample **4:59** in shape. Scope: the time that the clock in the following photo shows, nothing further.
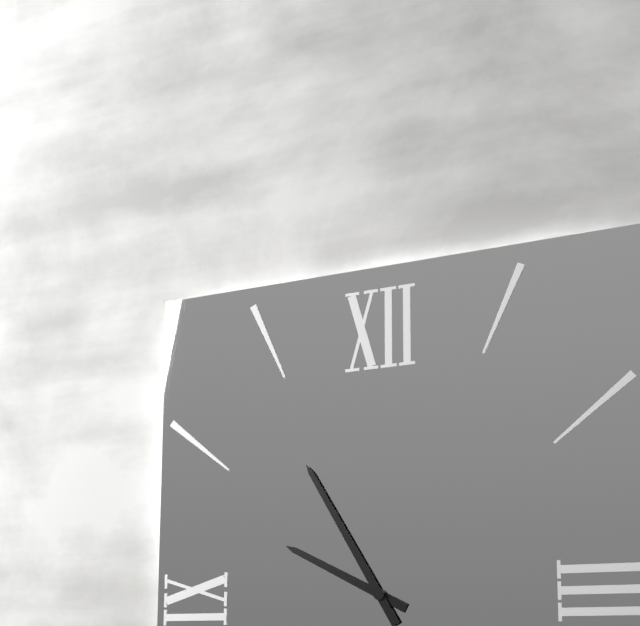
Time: **9:55**
